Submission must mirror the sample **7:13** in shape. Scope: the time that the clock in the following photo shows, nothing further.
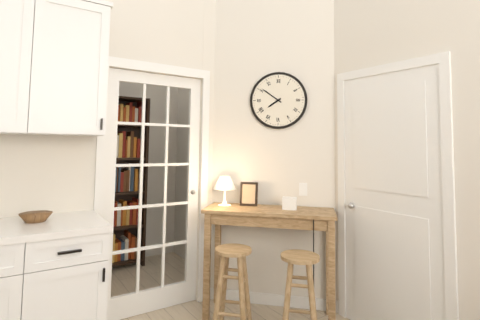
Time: **7:51**
